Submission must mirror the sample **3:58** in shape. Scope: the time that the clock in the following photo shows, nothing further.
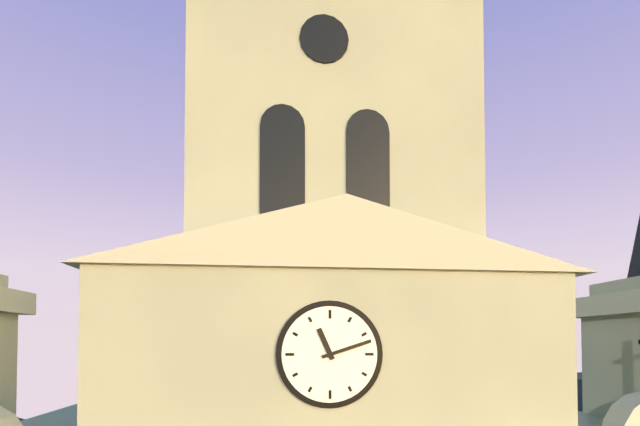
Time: **11:12**
